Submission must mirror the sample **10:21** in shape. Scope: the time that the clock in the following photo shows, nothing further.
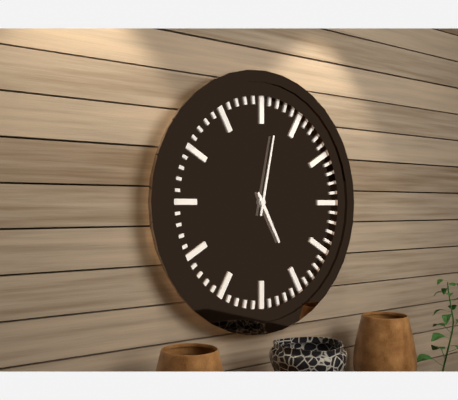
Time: **5:02**
